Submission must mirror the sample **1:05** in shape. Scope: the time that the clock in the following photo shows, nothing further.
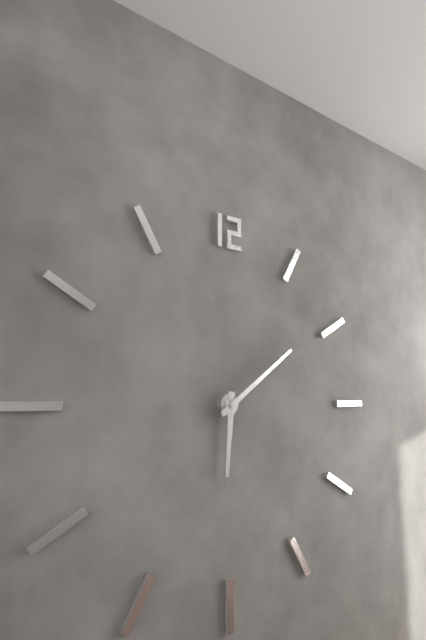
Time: **6:09**
